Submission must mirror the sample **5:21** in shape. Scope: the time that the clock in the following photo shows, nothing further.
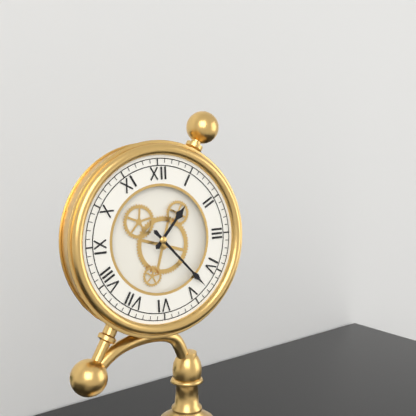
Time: **1:23**
